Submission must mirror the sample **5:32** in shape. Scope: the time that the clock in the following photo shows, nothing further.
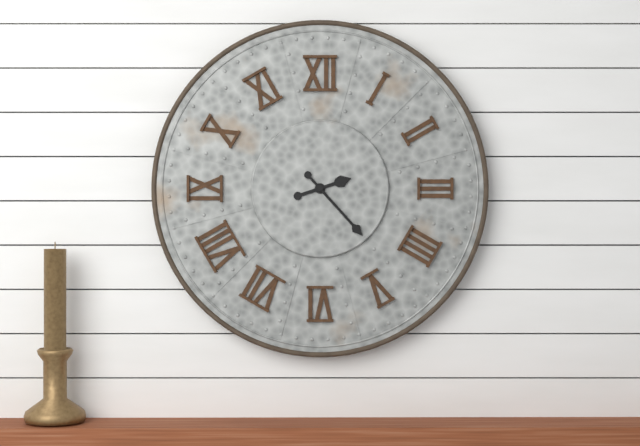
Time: **2:23**
